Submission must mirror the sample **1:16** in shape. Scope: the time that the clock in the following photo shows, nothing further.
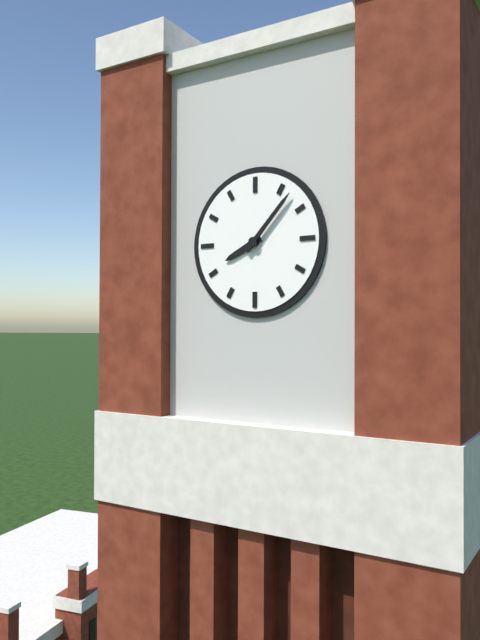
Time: **8:07**
